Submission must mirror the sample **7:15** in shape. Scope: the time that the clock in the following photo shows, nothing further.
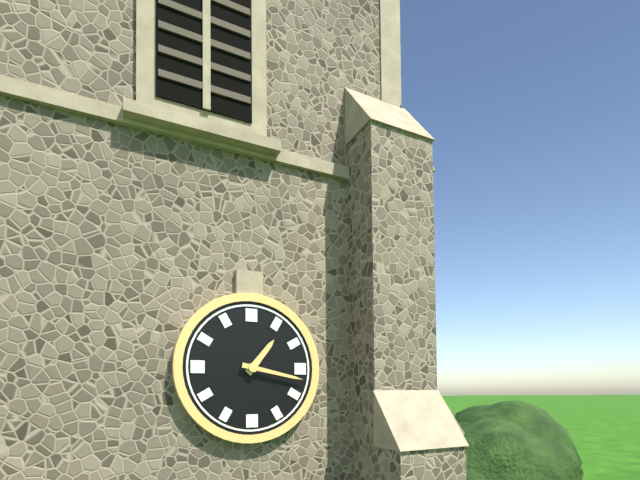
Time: **1:17**
